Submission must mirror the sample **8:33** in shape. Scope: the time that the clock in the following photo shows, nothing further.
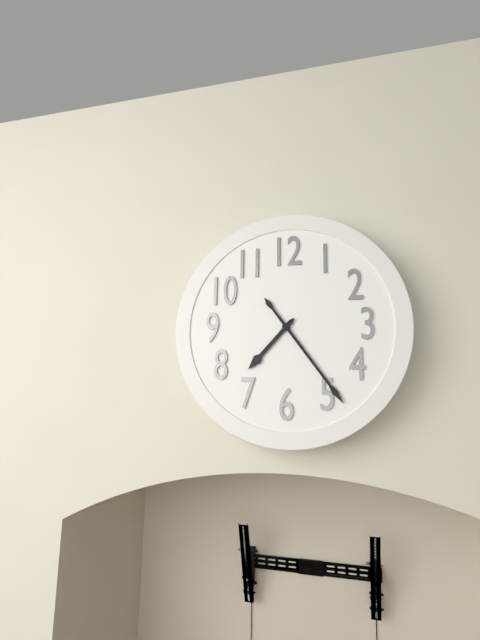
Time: **7:24**
